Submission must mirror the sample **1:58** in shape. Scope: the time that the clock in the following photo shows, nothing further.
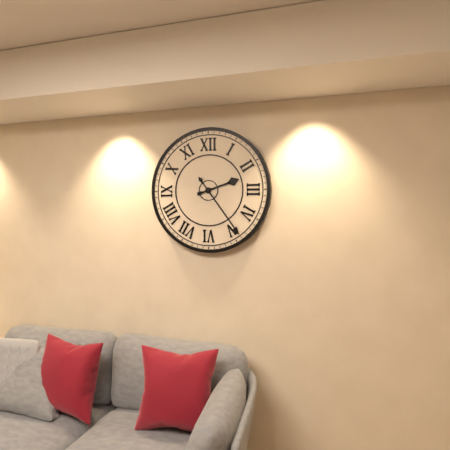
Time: **2:24**
